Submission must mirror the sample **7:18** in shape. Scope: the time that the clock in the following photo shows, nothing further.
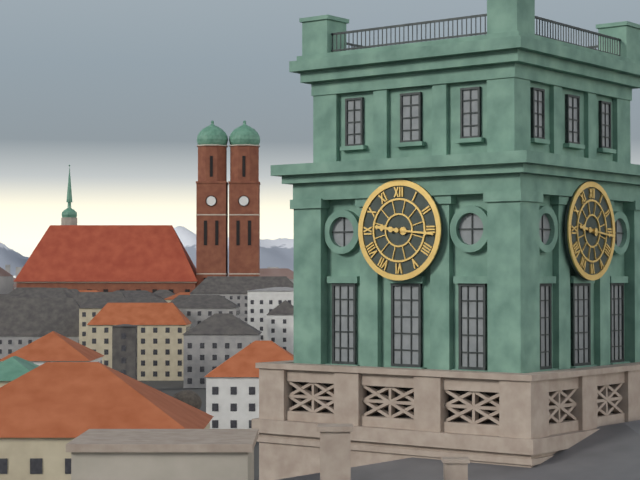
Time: **9:16**
